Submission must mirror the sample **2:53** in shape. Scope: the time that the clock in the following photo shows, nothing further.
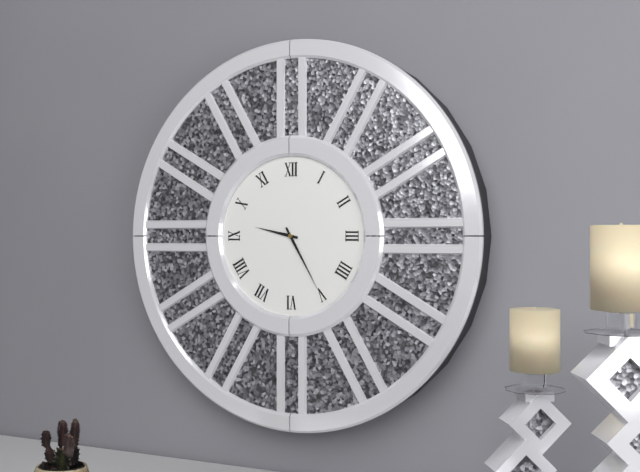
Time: **9:25**
